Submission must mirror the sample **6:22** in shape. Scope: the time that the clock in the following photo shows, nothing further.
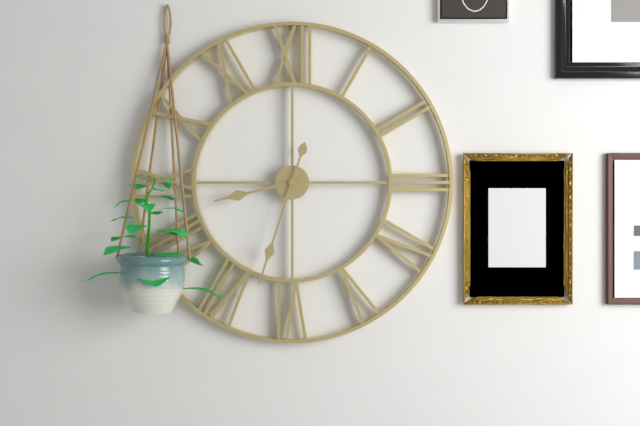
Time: **8:33**
